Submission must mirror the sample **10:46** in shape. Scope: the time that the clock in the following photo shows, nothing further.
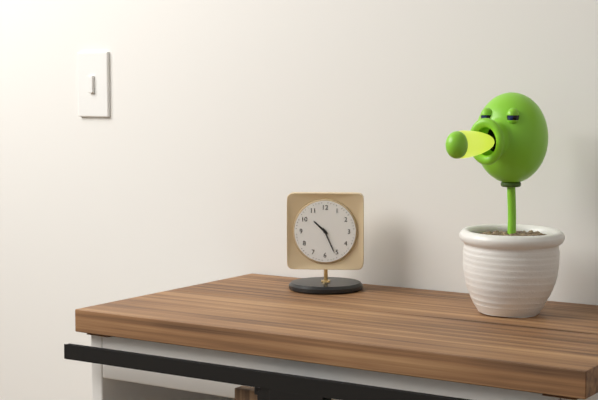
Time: **10:26**
